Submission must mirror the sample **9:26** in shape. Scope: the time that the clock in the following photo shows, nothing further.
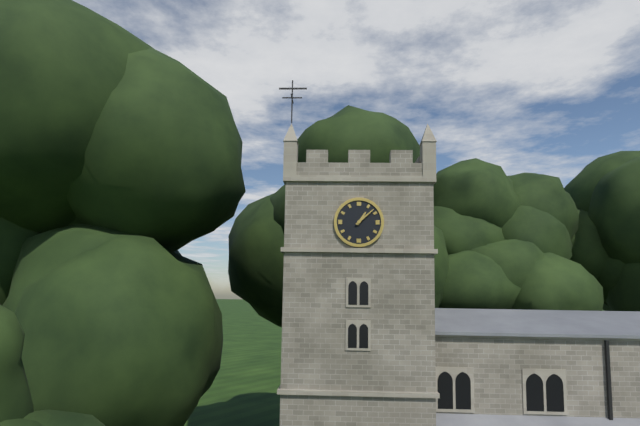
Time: **1:08**
